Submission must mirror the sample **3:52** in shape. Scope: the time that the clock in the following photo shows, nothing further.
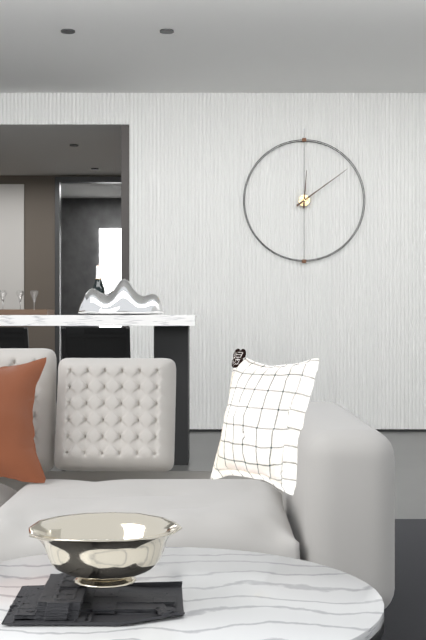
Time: **12:09**
